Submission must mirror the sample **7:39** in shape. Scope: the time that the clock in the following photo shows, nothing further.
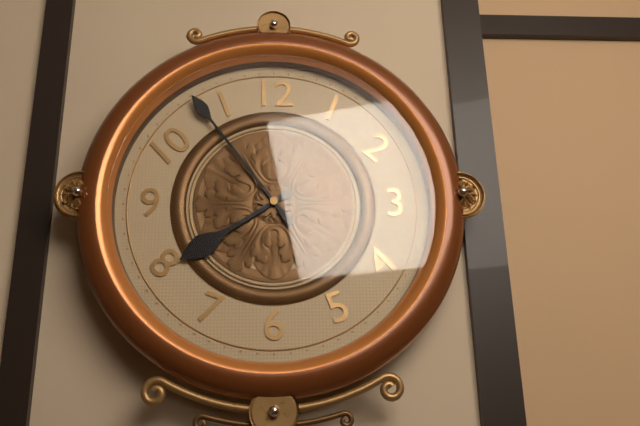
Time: **7:54**
